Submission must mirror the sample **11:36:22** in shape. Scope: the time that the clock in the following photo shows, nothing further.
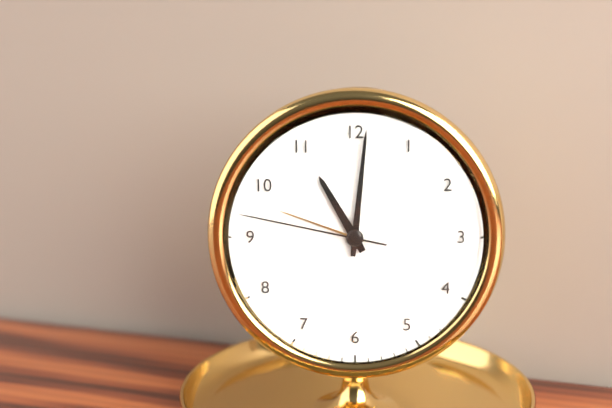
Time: **11:01:47**
